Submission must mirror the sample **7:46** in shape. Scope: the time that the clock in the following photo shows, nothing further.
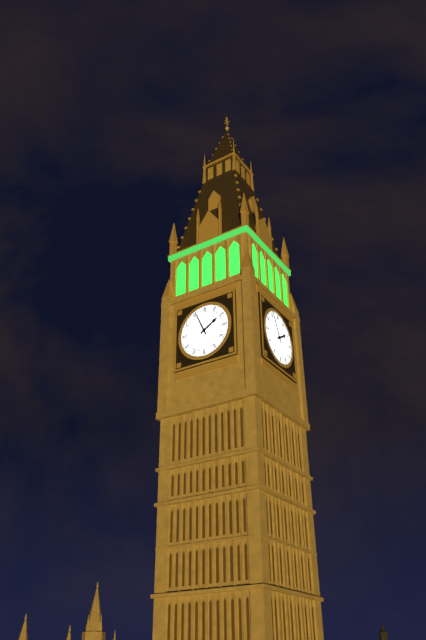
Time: **1:56**
